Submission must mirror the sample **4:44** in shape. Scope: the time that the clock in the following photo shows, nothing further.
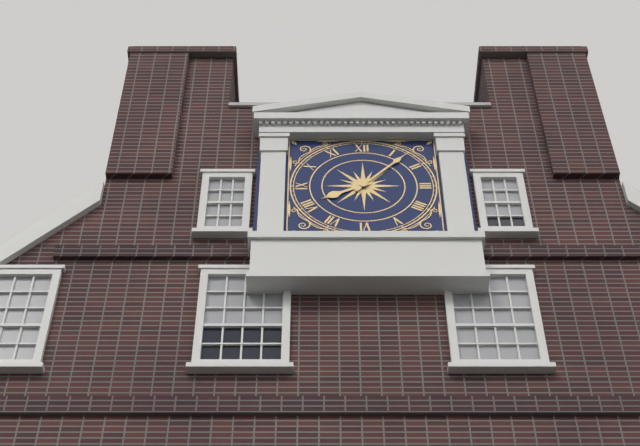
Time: **8:07**
